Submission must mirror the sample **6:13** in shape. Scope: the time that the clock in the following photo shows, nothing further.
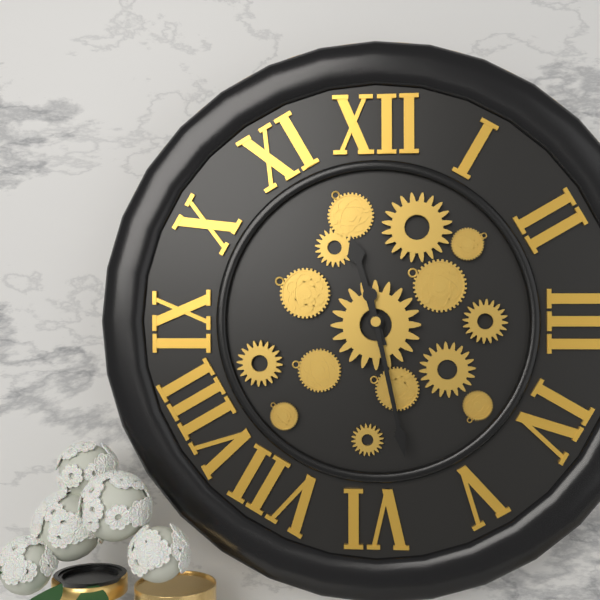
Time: **11:28**
